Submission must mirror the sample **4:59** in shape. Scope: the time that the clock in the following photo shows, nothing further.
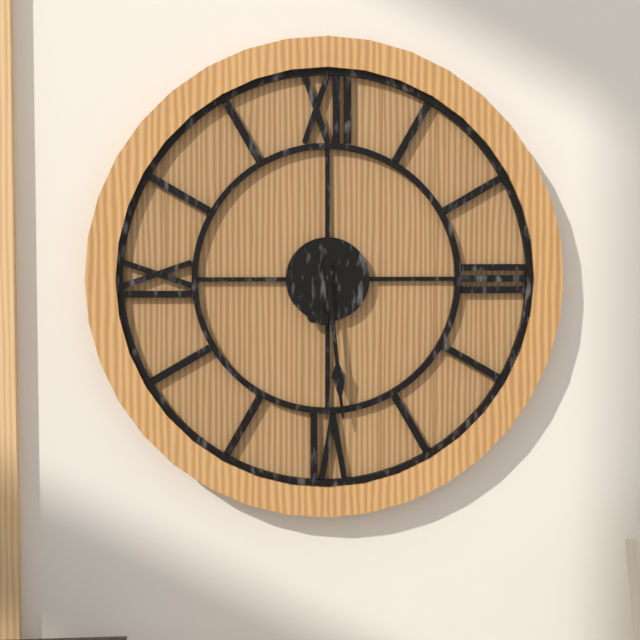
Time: **6:29**
